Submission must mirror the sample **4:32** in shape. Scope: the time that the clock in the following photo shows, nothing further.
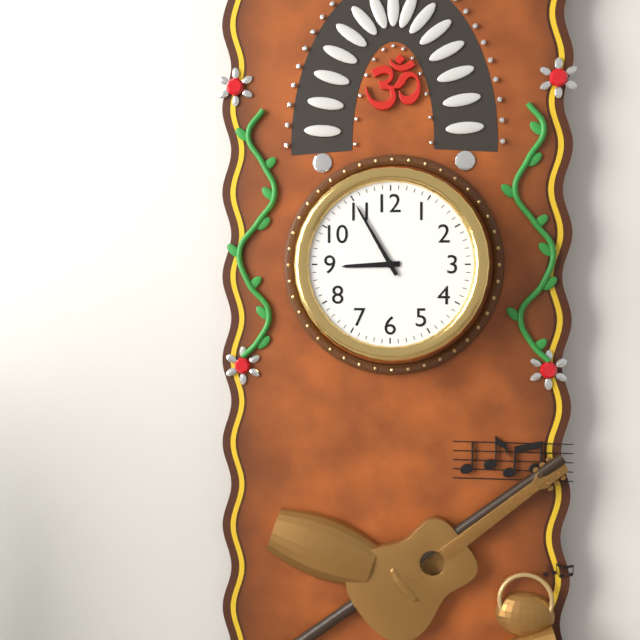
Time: **8:55**
